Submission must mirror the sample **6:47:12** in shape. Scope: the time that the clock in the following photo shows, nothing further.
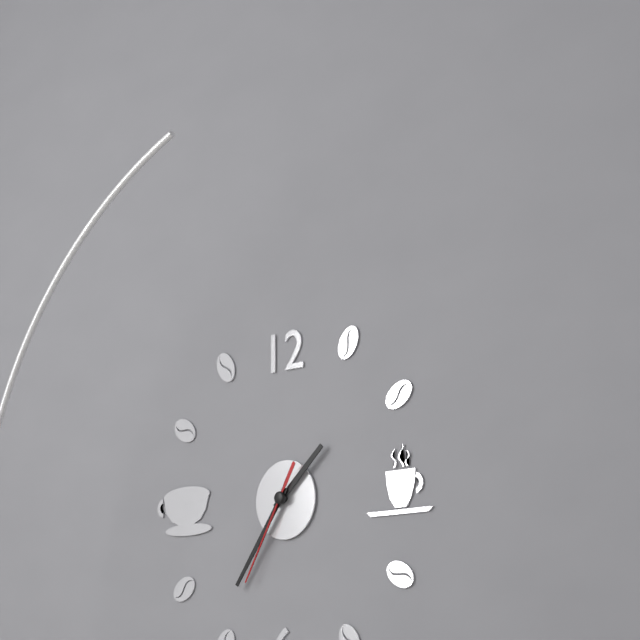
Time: **1:36:35**
